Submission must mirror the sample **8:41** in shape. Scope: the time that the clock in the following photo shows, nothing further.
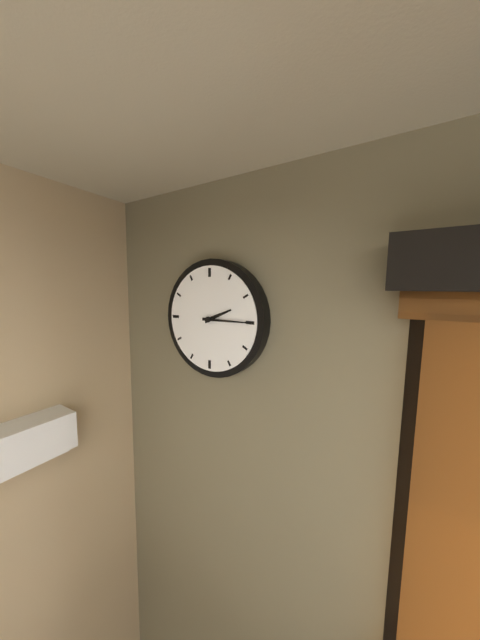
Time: **2:15**
